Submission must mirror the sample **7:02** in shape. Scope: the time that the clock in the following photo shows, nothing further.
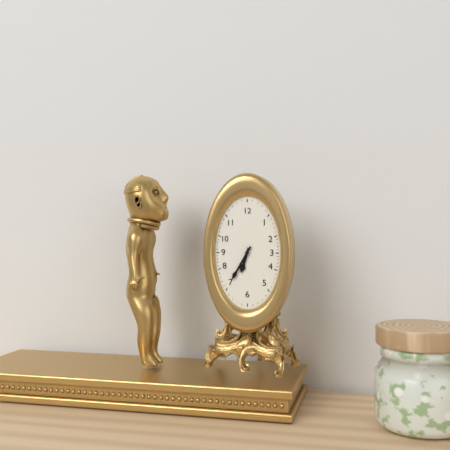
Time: **6:35**
